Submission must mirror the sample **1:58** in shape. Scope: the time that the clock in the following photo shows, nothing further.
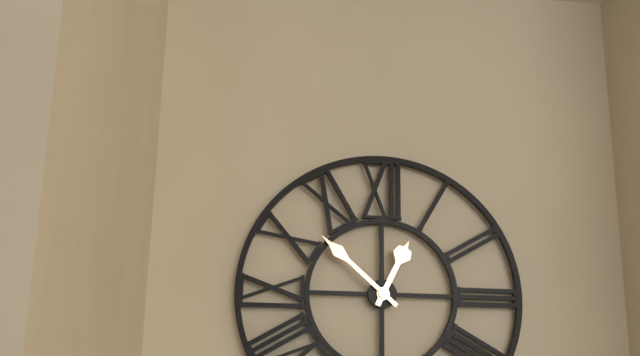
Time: **12:52**
